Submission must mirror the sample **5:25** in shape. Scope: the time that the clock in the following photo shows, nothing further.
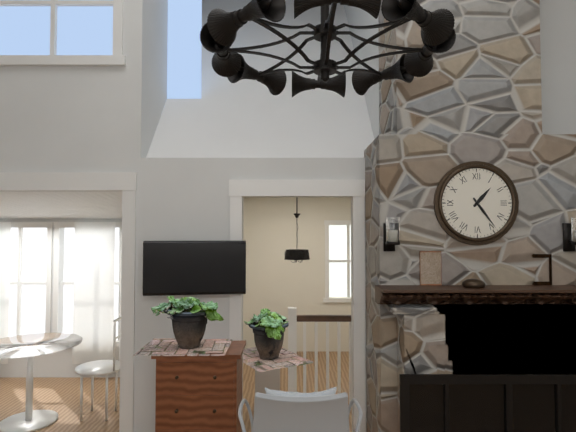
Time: **1:24**
